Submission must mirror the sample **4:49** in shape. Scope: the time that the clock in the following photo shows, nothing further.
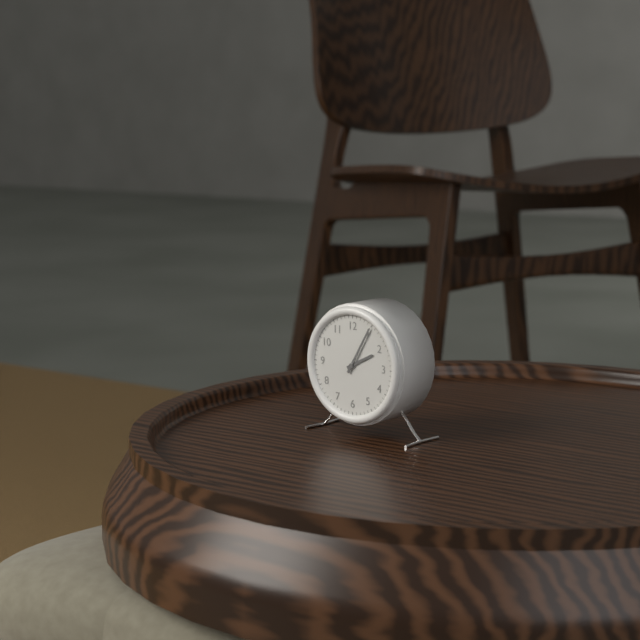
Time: **2:05**
